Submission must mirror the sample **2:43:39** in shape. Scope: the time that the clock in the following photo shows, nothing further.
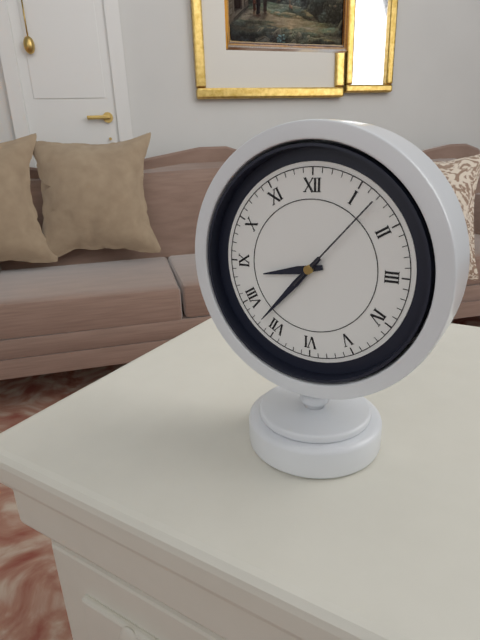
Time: **8:37:07**
